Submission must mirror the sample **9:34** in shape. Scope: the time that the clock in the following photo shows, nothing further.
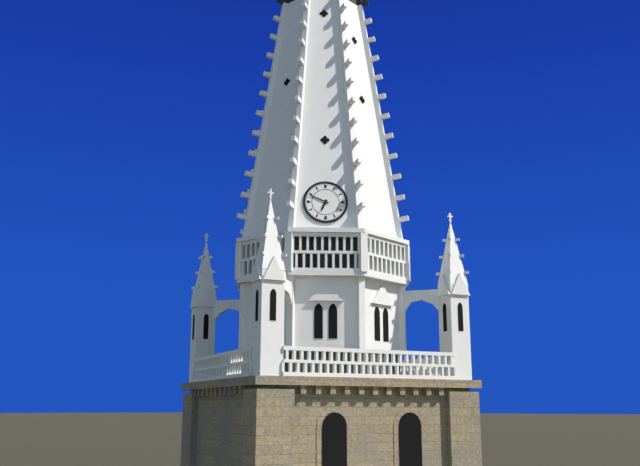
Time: **6:49**
